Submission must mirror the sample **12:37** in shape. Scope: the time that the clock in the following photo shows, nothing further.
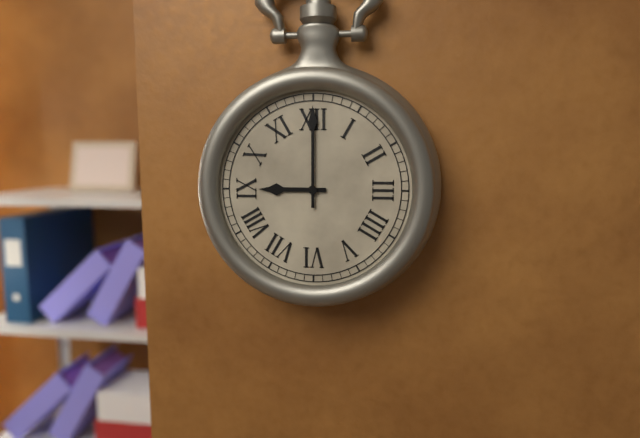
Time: **9:00**
